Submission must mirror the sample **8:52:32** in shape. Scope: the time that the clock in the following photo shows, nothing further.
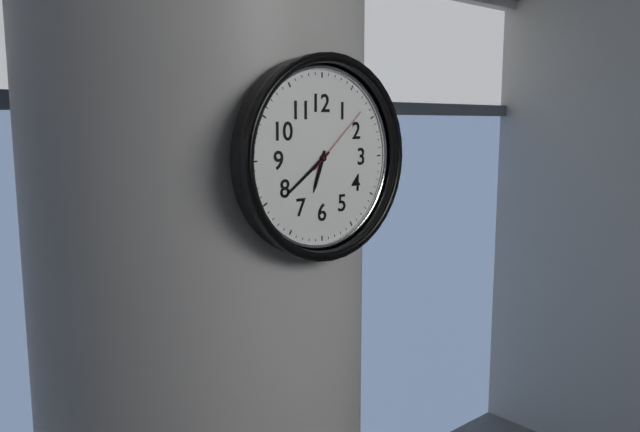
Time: **6:39:08**
